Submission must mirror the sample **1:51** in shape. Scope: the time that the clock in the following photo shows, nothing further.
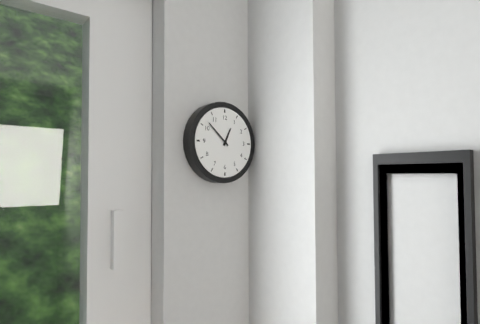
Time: **12:52**
